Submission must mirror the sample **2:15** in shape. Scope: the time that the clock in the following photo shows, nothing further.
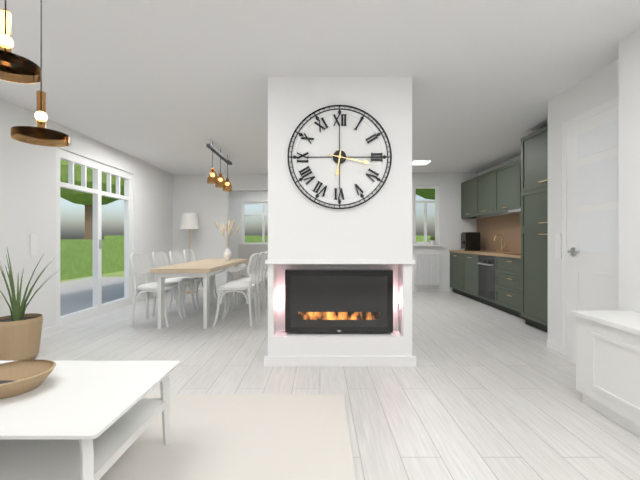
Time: **6:17**
